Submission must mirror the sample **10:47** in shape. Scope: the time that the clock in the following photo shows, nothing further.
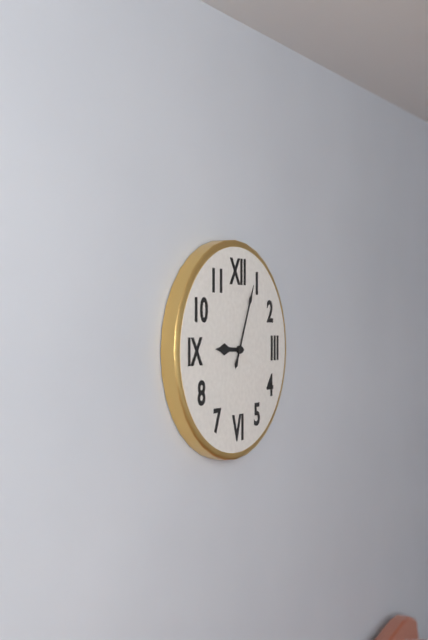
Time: **9:04**
